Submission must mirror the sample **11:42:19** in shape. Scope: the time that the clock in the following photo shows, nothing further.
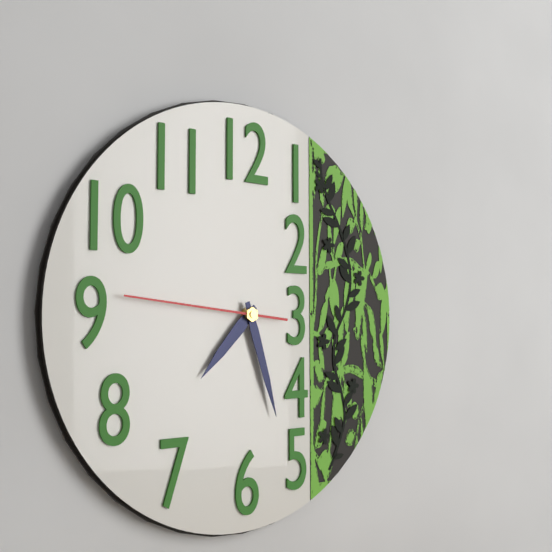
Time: **7:27:46**
